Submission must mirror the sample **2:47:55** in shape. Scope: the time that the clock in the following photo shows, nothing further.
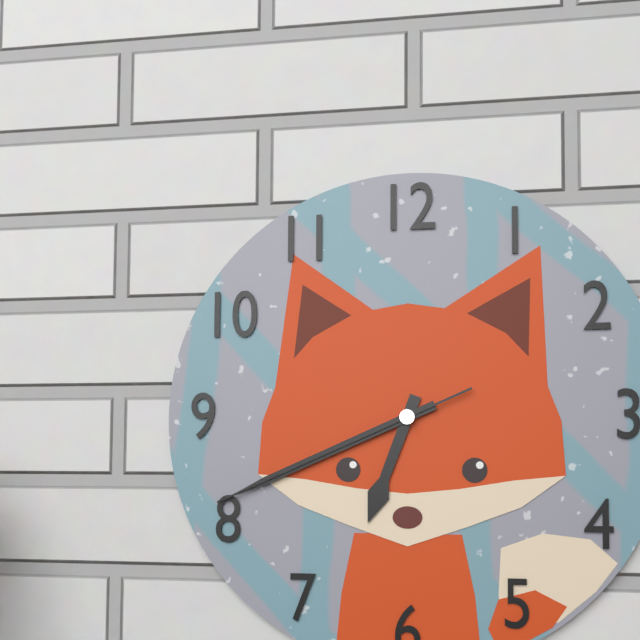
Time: **6:41:41**
